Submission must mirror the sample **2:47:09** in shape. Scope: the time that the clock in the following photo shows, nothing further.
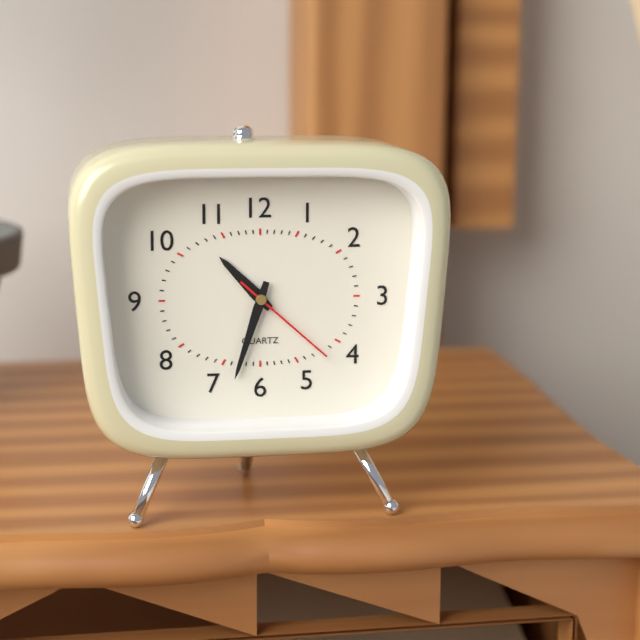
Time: **10:33:22**
